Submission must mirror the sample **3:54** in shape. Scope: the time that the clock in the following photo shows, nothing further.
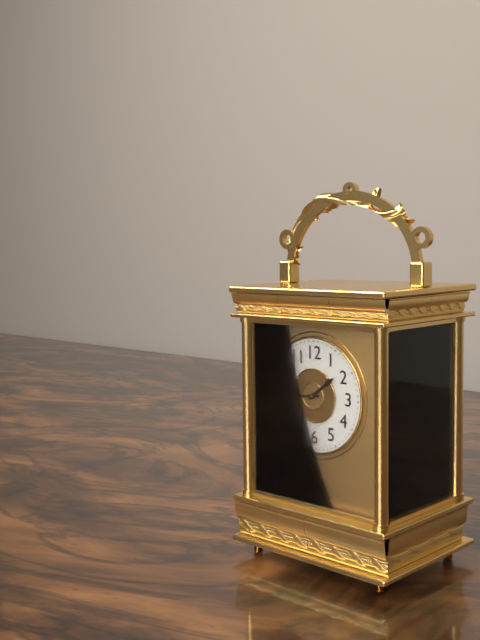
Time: **1:44**
